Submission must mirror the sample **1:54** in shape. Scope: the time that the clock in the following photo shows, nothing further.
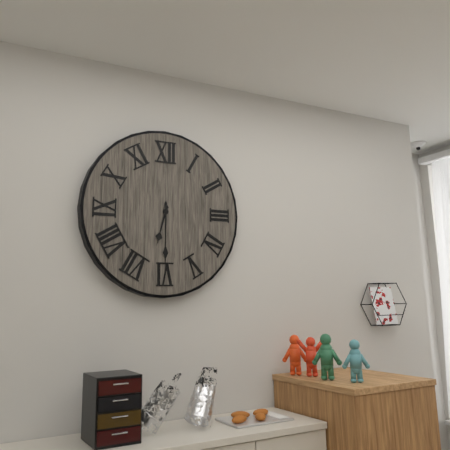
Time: **6:30**
